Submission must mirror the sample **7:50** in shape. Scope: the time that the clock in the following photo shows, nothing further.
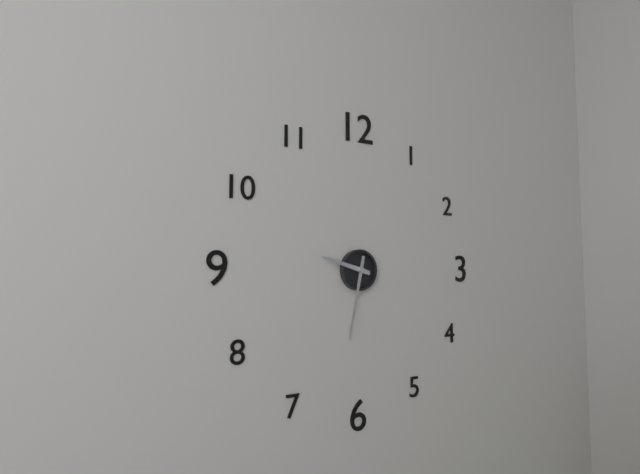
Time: **9:32**
